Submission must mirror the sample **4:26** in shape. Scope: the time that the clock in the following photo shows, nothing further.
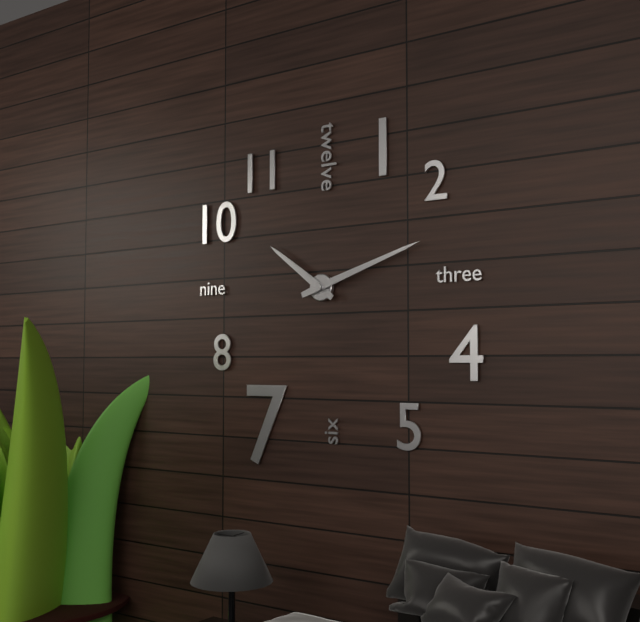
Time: **10:12**
